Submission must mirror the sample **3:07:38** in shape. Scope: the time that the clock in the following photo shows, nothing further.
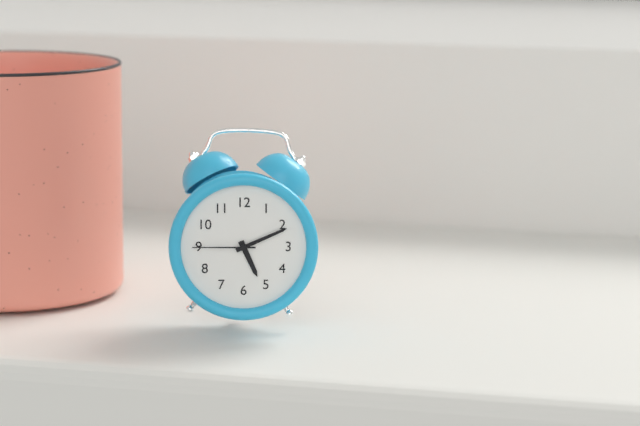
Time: **5:11:45**
